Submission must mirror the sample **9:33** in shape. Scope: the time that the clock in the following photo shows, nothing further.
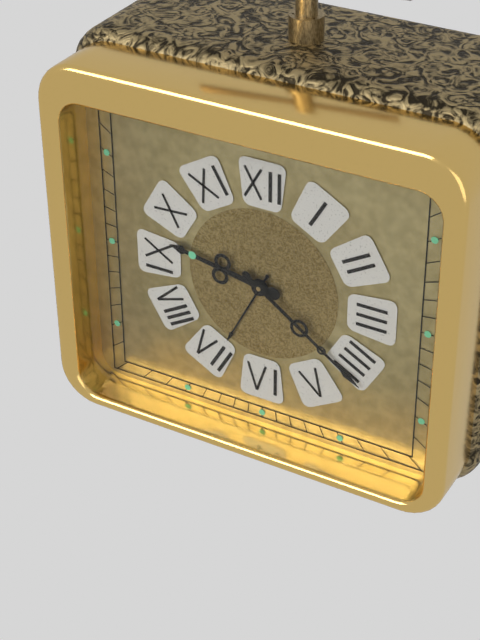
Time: **9:21**
